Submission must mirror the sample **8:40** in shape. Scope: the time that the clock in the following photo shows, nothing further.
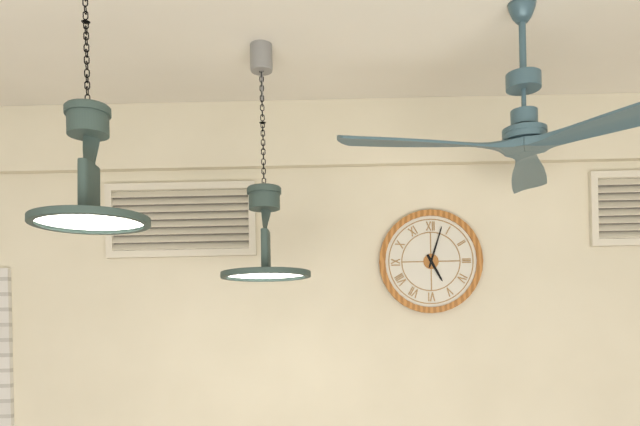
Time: **5:03**
